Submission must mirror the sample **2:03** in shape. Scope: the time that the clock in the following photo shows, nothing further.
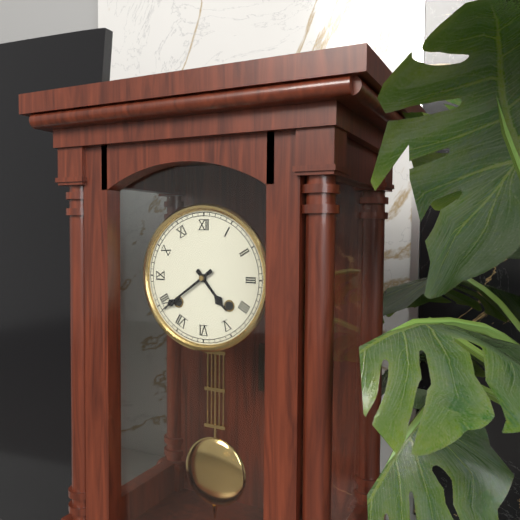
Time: **4:39**
